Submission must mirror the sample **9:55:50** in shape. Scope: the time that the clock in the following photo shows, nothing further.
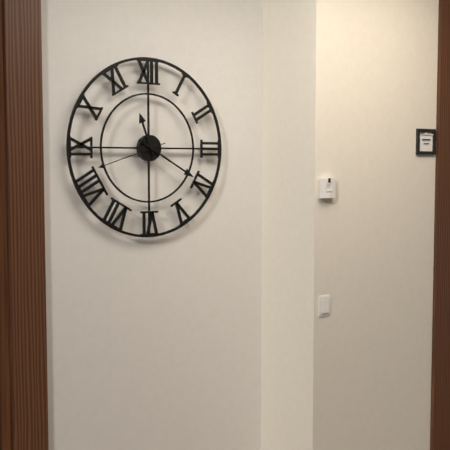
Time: **11:20:42**
